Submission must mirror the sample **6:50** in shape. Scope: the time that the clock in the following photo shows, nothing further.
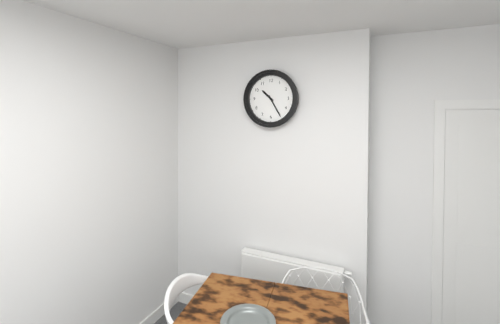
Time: **10:25**
